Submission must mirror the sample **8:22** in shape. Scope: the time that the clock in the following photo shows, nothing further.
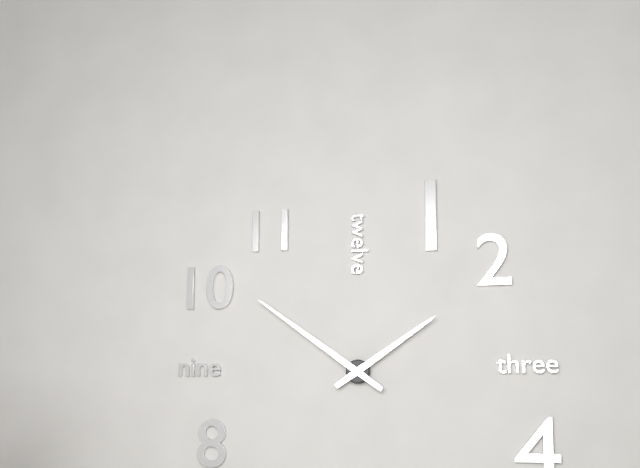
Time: **1:51**
